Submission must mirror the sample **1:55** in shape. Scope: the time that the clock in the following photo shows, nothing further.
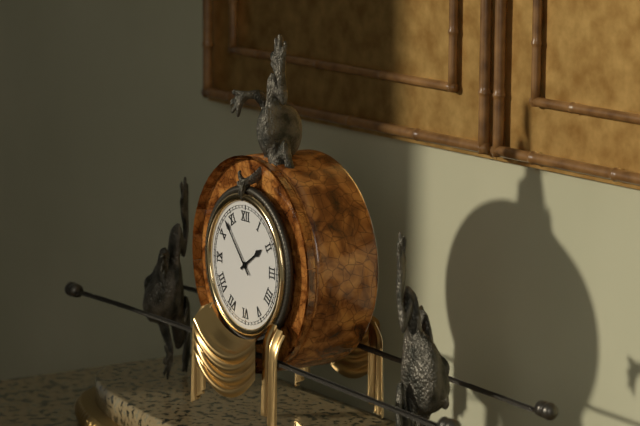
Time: **1:53**
